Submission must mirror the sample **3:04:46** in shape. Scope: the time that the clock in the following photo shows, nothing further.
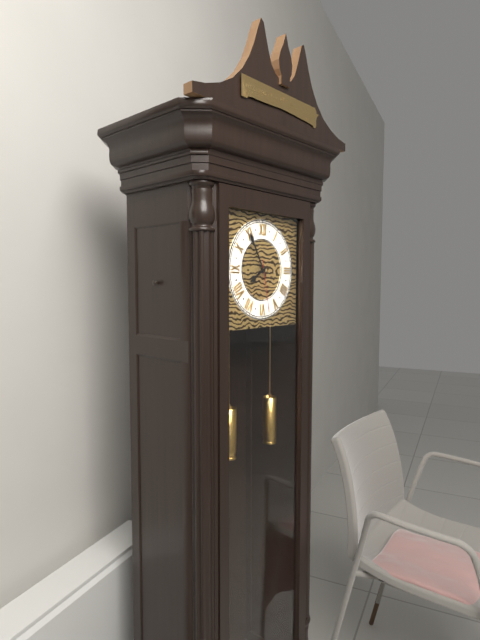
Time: **7:55:28**
